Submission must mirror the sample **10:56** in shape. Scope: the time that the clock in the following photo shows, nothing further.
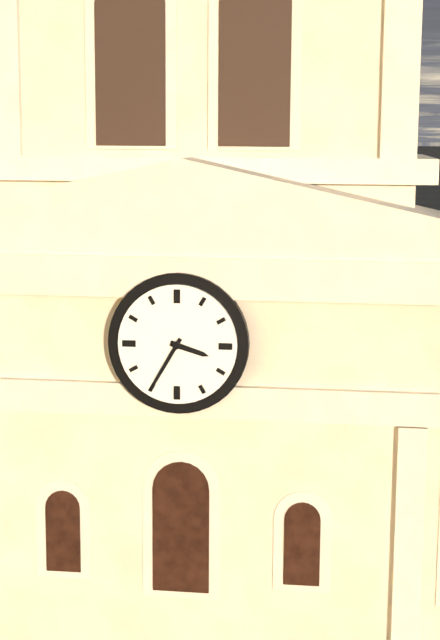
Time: **3:35**
